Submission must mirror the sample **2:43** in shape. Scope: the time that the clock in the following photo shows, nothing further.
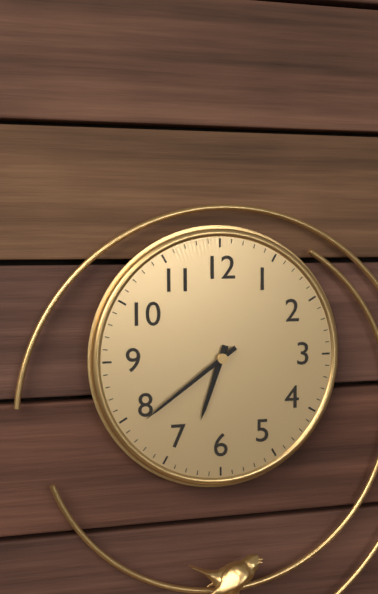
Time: **6:39**
